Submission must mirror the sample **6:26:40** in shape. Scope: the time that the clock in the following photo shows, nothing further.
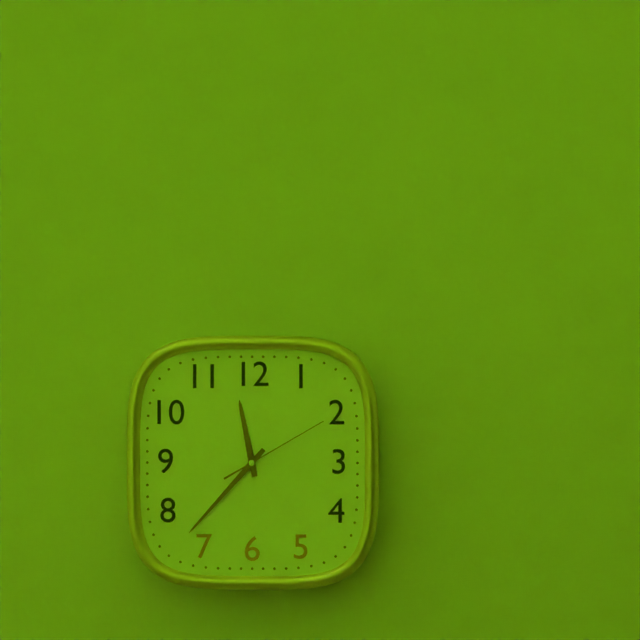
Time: **11:37:10**
